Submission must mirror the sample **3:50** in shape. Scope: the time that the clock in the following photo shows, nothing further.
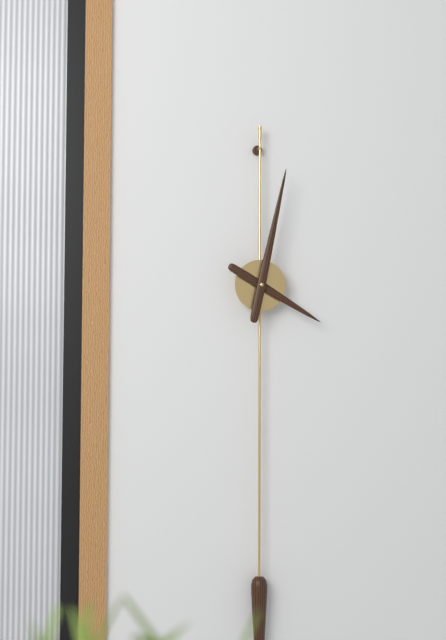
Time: **4:02**
